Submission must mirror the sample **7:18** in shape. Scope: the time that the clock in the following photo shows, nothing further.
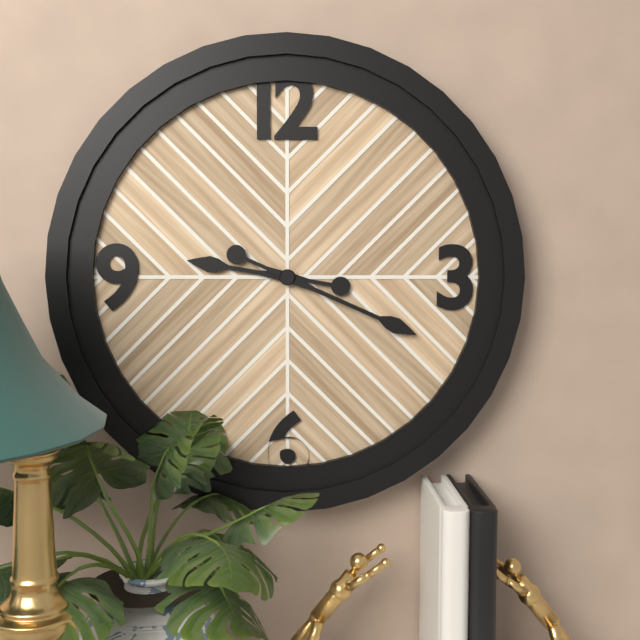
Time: **9:19**
